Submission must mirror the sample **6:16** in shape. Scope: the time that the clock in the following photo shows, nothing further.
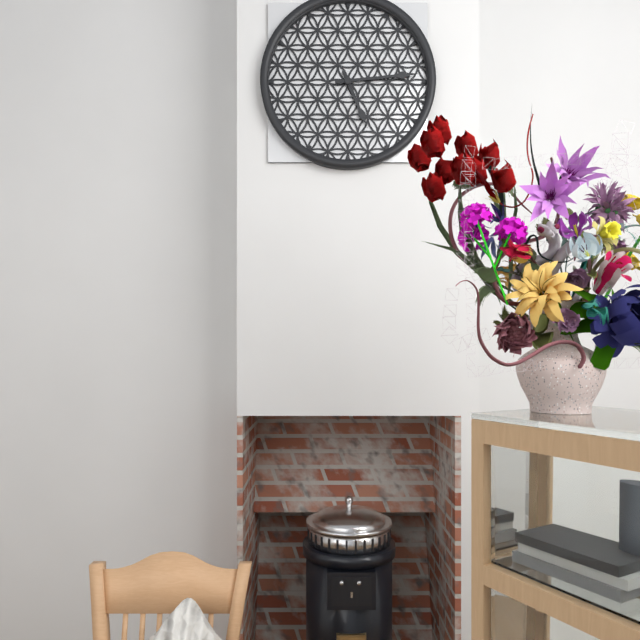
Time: **5:14**
